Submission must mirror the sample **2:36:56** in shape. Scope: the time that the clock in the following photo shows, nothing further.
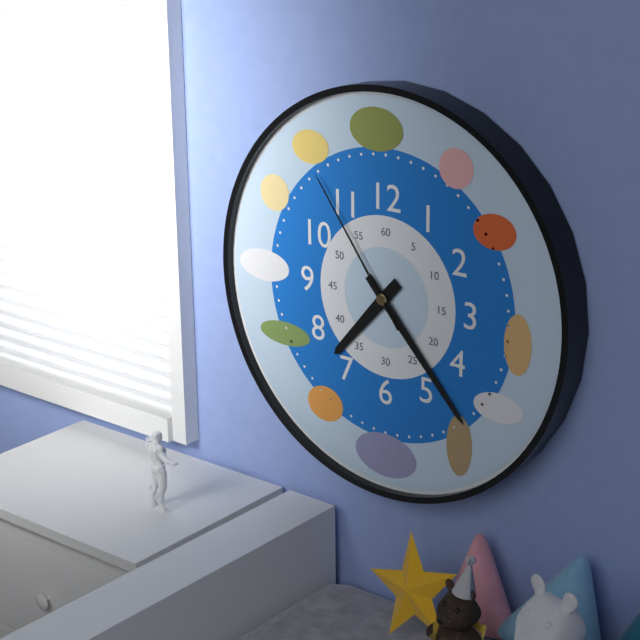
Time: **7:23:54**
